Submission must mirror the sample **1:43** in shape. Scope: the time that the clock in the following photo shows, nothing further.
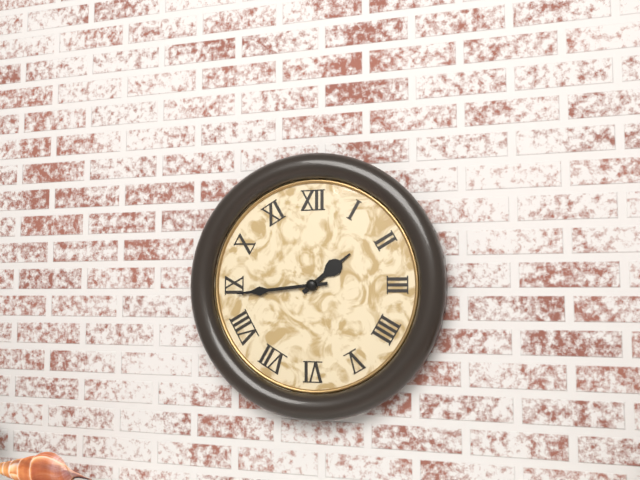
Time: **1:44**
